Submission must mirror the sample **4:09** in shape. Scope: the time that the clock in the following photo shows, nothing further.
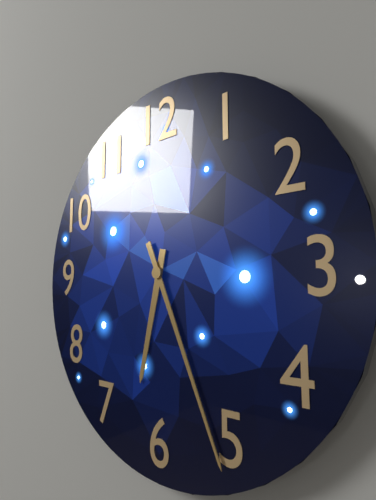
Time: **6:26**
